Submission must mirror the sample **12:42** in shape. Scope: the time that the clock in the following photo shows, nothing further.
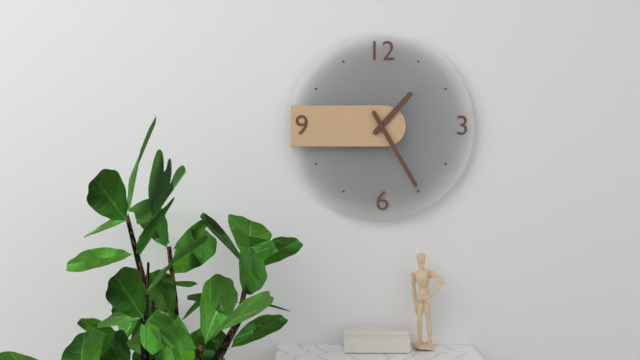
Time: **1:25**
